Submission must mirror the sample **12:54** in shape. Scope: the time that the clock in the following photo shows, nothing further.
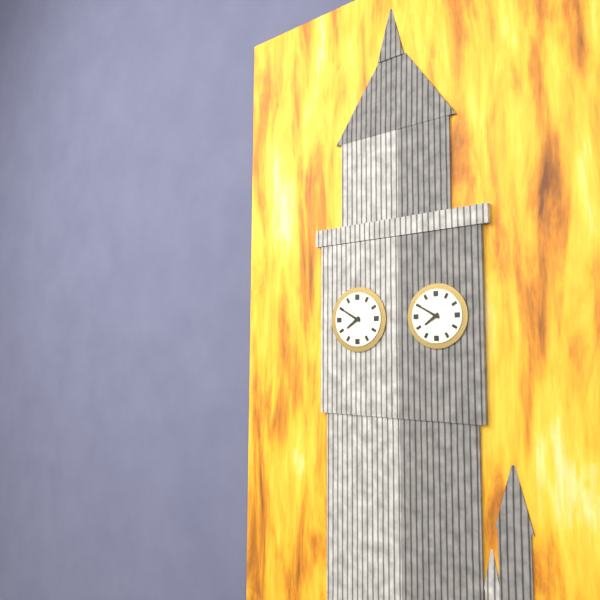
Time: **7:50**
